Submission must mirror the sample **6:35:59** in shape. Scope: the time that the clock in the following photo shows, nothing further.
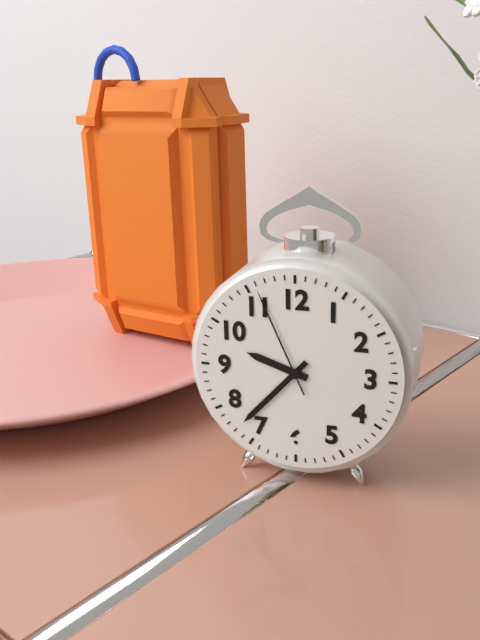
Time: **9:37:56**
